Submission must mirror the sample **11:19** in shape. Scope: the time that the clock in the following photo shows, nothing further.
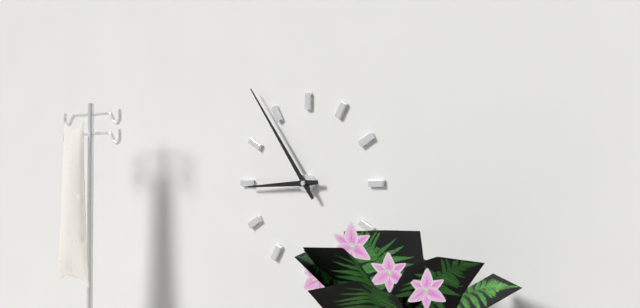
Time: **8:54**
